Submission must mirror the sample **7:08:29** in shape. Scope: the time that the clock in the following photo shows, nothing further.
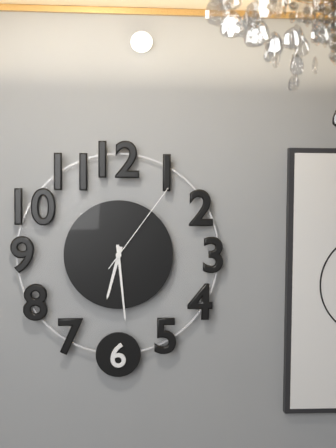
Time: **6:29:06**
